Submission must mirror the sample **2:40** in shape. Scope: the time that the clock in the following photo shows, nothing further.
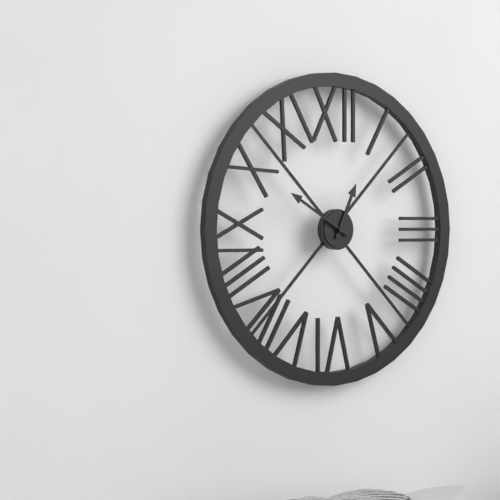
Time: **12:50**
